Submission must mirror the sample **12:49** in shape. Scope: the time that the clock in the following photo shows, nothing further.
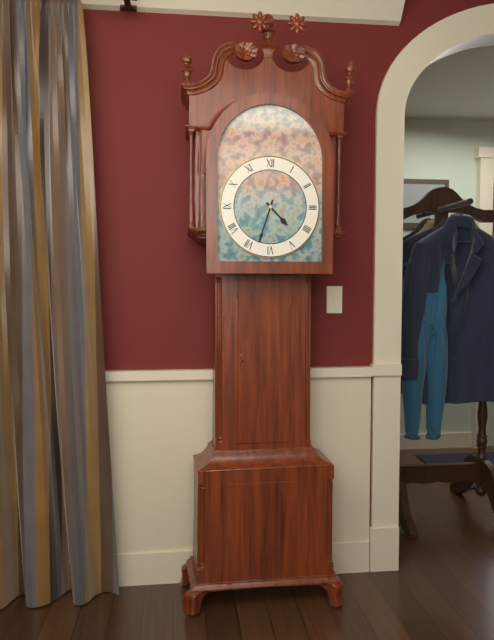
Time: **4:33**
